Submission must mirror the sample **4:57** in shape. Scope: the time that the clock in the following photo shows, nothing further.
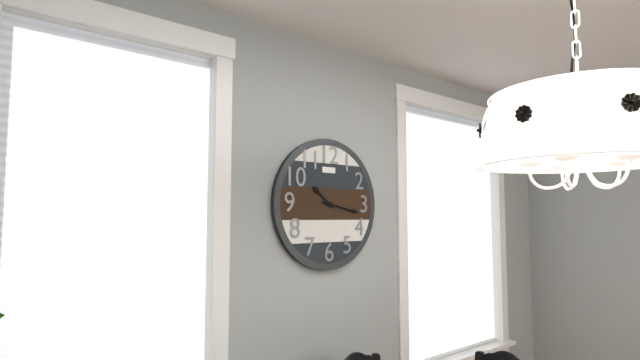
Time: **10:17**
